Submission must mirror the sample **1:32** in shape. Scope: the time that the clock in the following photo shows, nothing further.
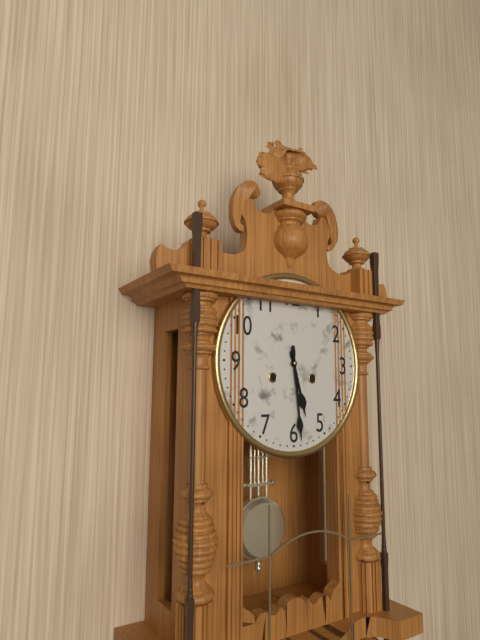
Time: **5:29**
